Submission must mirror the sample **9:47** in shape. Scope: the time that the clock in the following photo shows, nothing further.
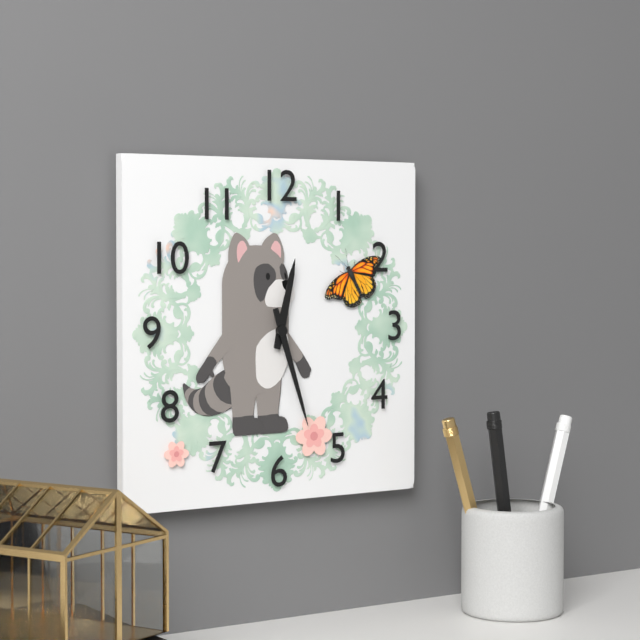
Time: **12:27**
